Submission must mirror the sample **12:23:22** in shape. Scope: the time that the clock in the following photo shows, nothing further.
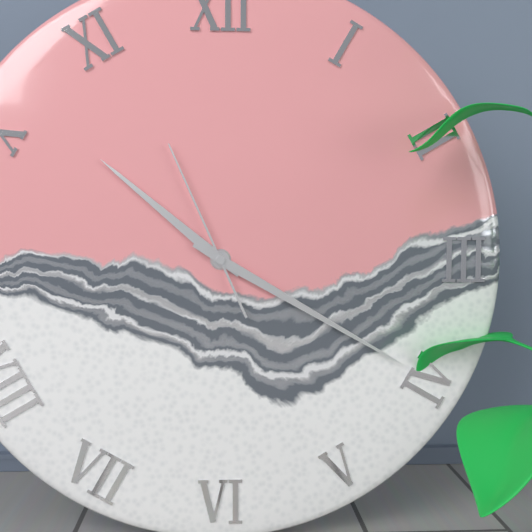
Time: **10:20:56**
